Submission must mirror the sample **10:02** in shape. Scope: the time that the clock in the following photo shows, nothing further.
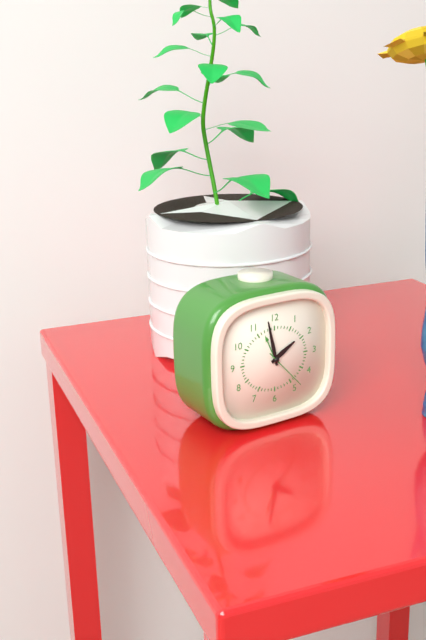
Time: **1:58**
